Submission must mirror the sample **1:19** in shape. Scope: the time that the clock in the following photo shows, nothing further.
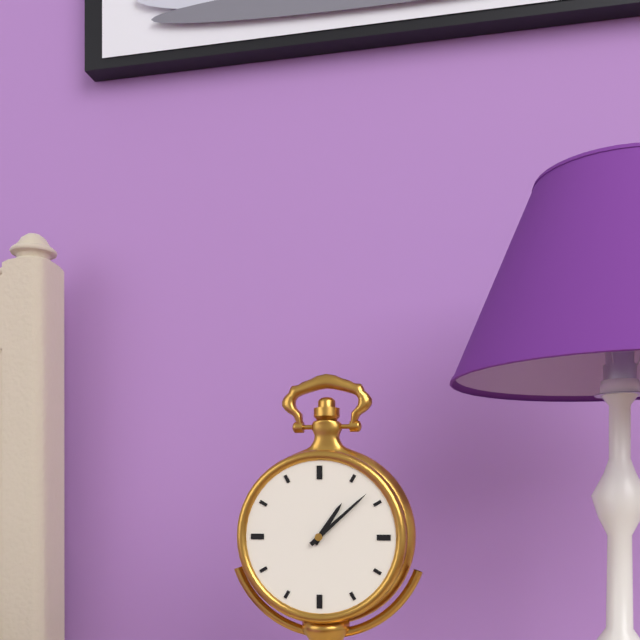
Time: **1:08**
